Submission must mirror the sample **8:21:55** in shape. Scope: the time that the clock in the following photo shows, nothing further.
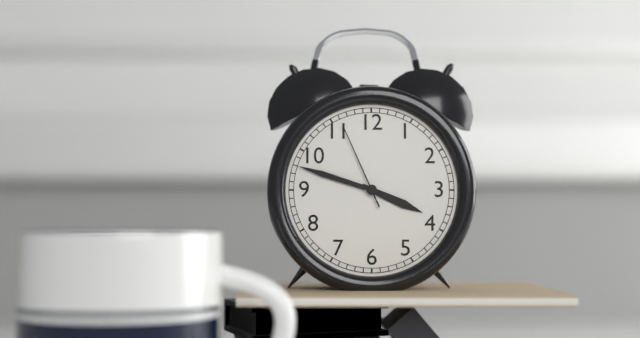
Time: **3:48:56**
